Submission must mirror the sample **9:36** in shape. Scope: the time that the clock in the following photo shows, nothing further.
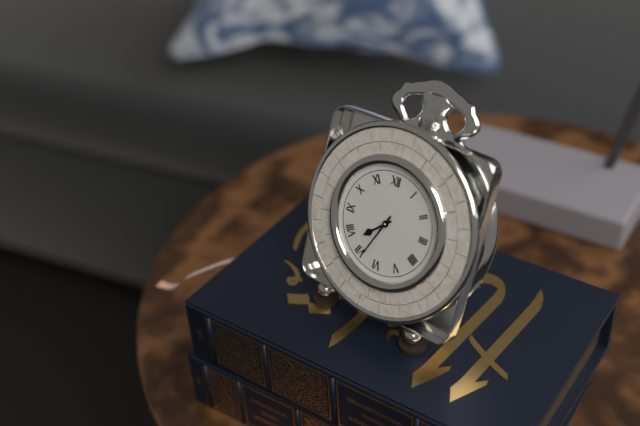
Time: **7:34**
